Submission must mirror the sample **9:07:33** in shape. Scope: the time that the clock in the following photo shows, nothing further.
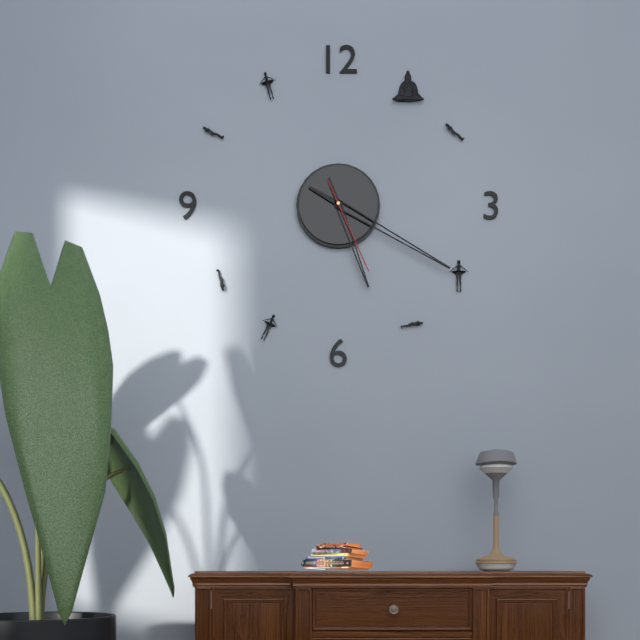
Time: **5:20:26**
